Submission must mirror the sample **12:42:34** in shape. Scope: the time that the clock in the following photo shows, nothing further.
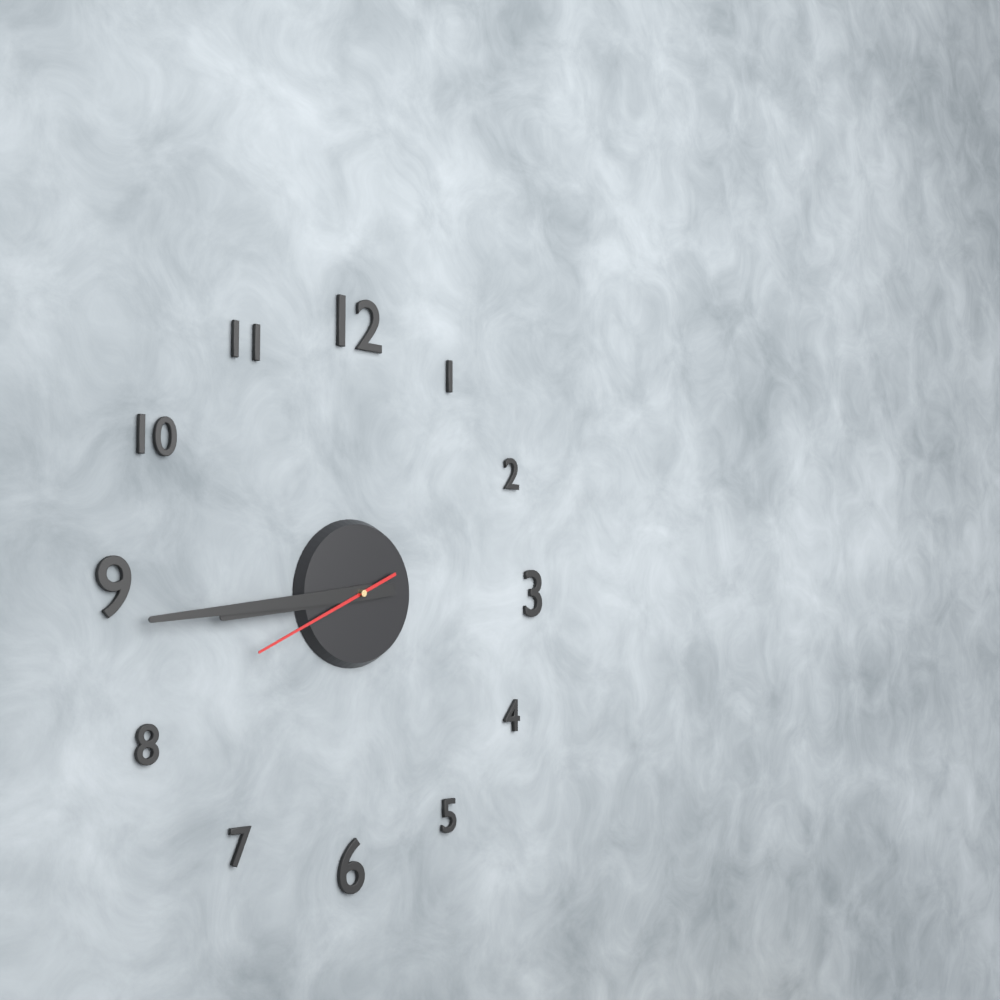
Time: **8:44:41**
